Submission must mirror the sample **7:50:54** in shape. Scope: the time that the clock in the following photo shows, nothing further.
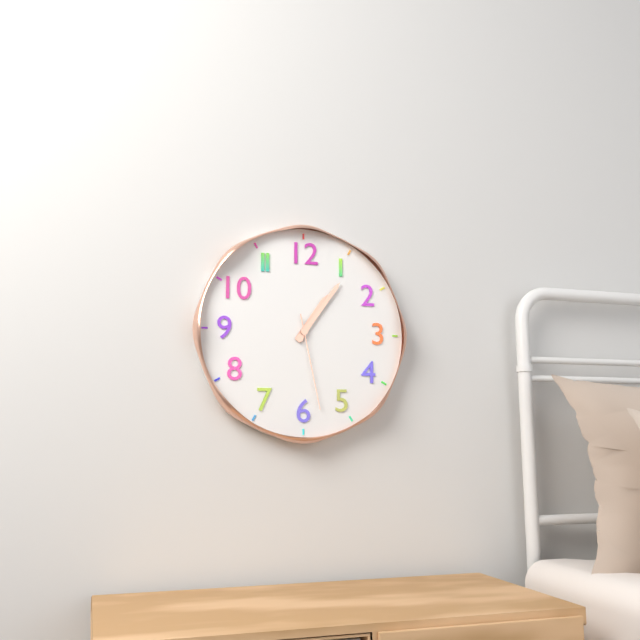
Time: **1:06:28**
